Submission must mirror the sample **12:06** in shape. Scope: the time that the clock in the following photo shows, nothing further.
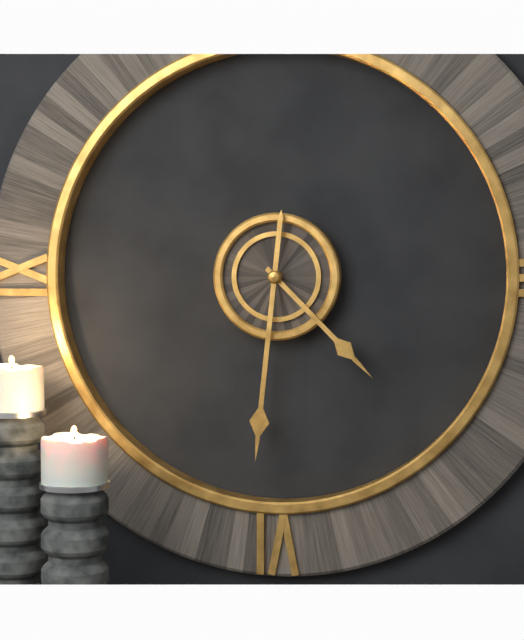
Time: **4:31**
